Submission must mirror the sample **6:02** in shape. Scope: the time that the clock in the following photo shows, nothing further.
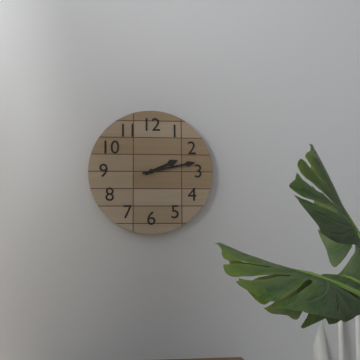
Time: **2:13**
